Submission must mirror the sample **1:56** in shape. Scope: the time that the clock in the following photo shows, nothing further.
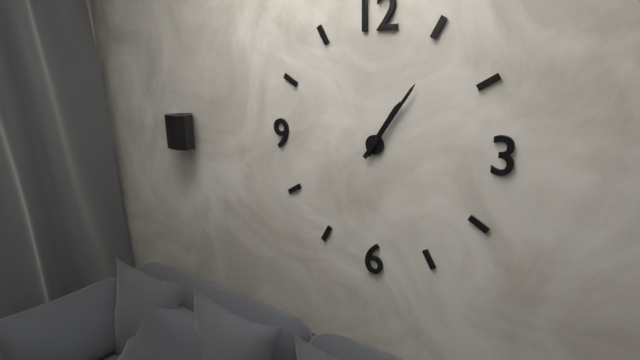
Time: **1:06**
